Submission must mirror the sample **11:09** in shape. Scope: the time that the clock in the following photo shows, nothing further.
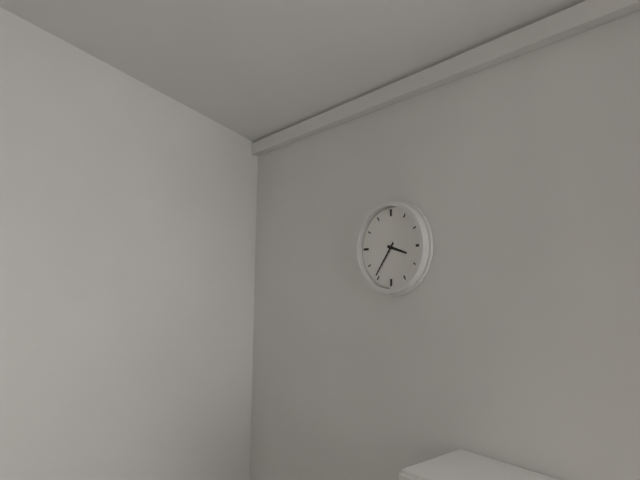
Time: **3:36**
